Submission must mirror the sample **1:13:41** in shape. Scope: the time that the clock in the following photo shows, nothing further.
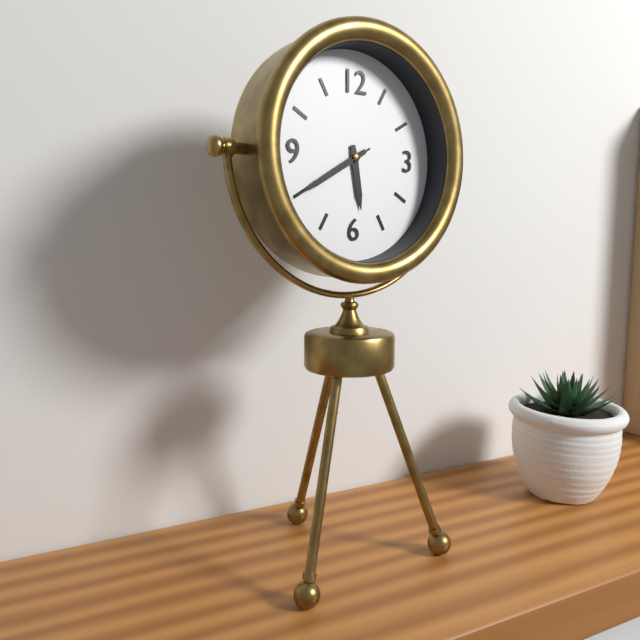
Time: **5:40:40**
